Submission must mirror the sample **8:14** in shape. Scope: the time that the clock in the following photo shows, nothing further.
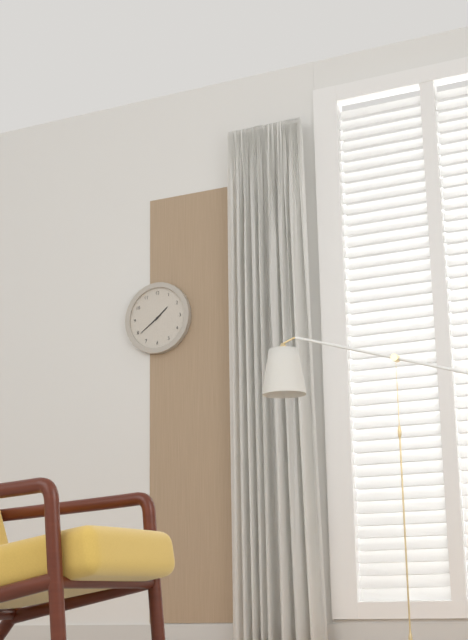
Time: **1:39**
